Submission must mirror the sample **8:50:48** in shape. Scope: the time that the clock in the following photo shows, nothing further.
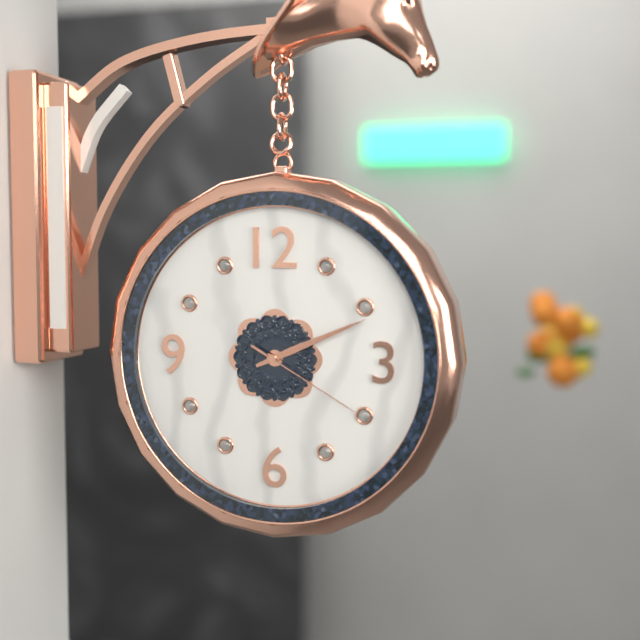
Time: **2:11:20**
